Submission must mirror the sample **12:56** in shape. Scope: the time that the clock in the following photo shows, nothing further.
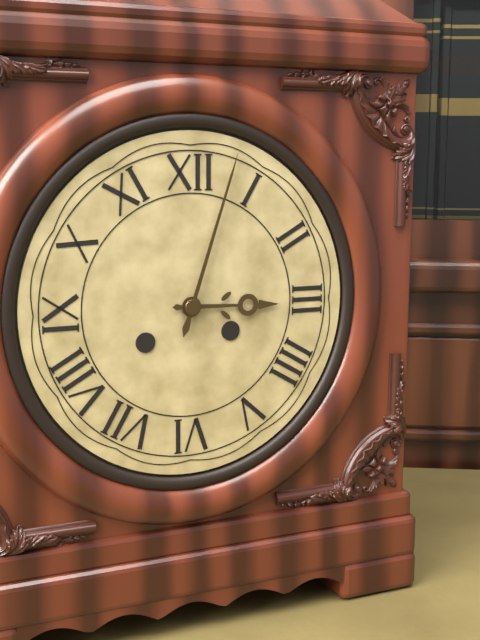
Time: **3:03**
